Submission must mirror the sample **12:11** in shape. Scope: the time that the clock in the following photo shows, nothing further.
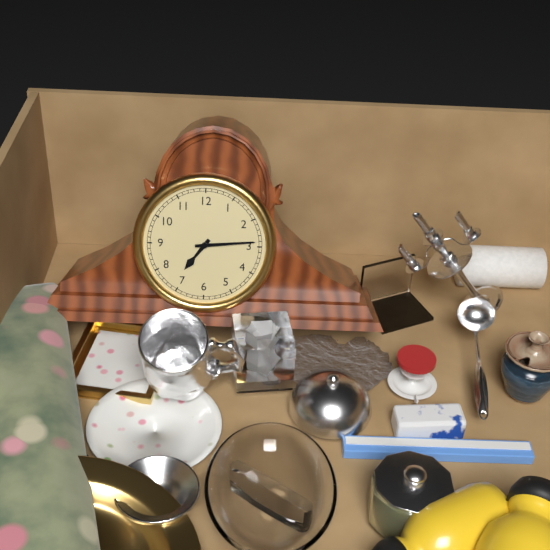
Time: **7:14**
